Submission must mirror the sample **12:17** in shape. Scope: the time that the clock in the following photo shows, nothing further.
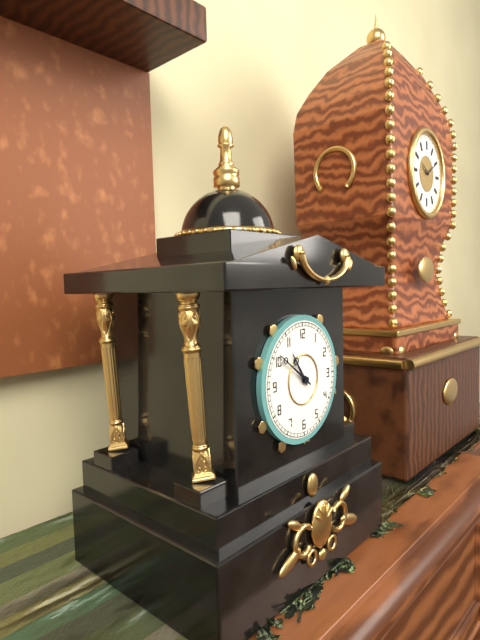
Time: **10:51**
